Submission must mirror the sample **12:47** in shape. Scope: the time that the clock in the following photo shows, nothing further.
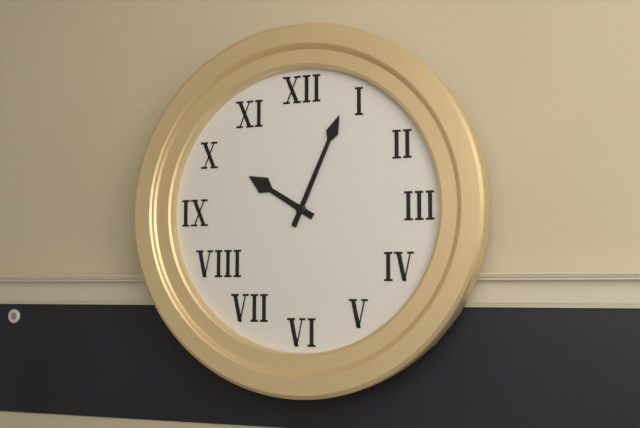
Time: **10:04**
